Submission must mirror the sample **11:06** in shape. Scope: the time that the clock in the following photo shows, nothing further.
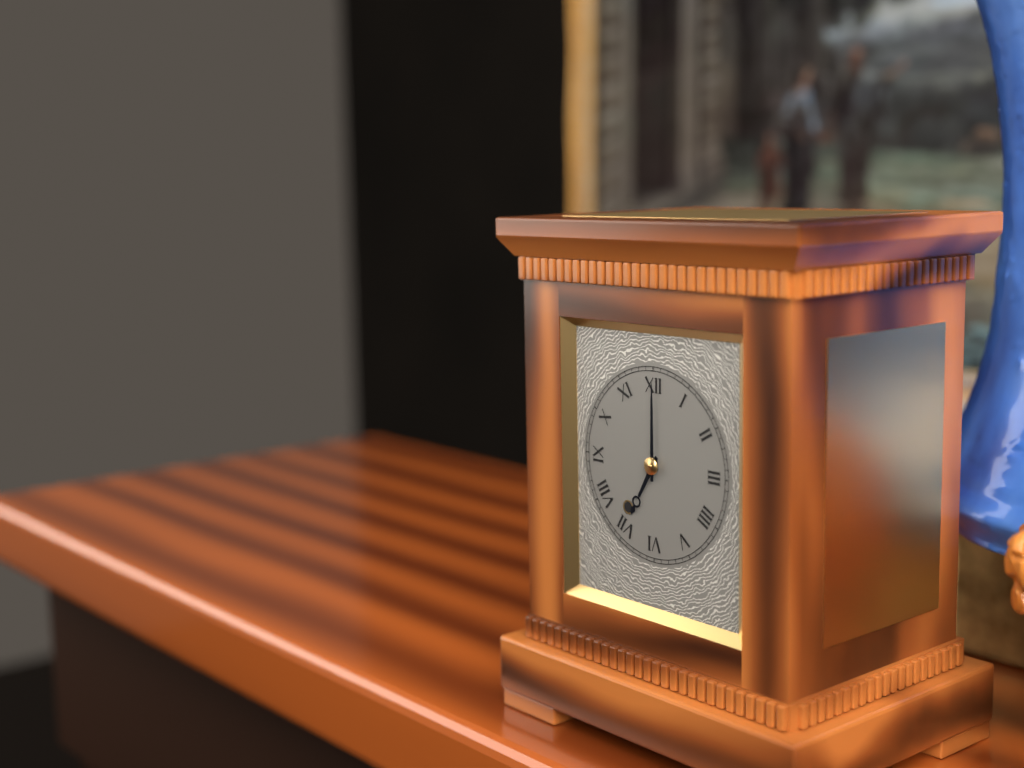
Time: **7:00**
